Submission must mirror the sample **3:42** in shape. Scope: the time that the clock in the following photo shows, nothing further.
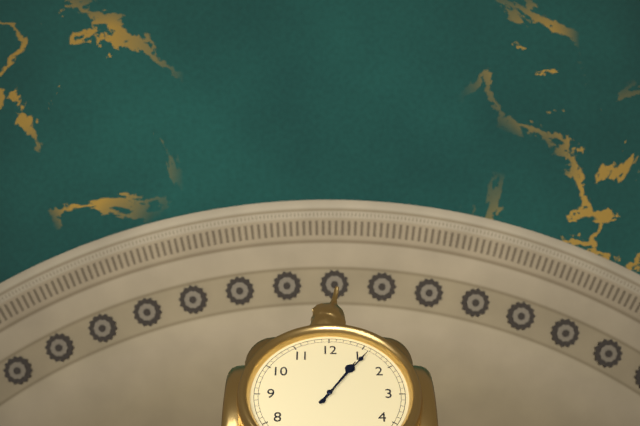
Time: **1:06**
